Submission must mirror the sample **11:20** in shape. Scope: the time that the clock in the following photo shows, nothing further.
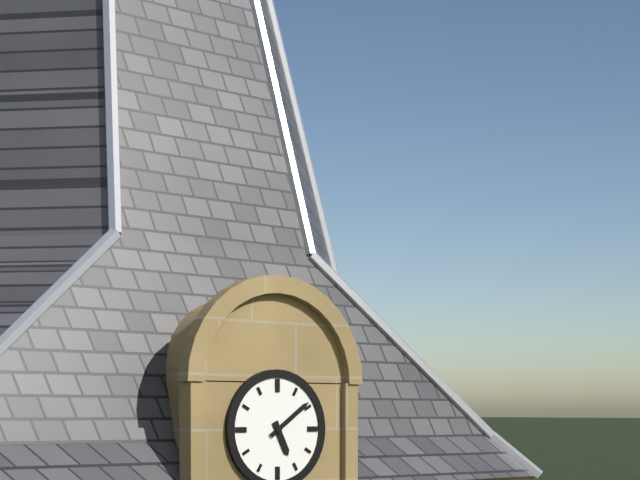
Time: **5:09**
